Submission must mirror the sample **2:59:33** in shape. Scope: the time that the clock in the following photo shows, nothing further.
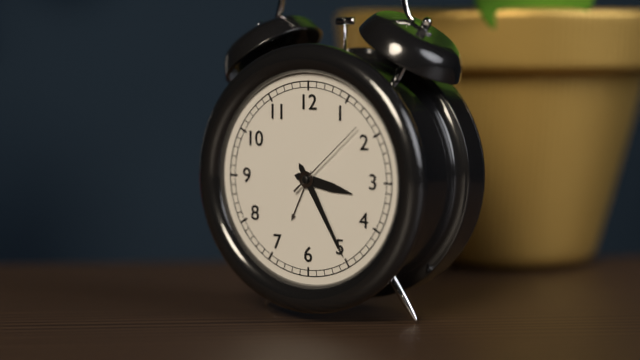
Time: **3:25:08**
